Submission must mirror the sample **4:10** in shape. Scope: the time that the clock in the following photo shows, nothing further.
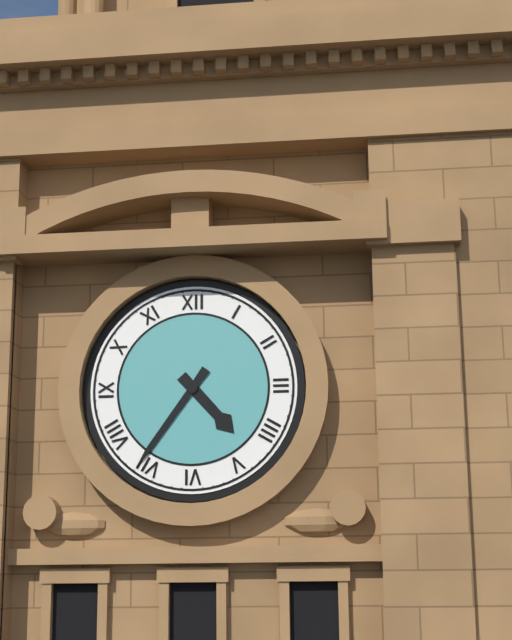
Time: **4:36**
